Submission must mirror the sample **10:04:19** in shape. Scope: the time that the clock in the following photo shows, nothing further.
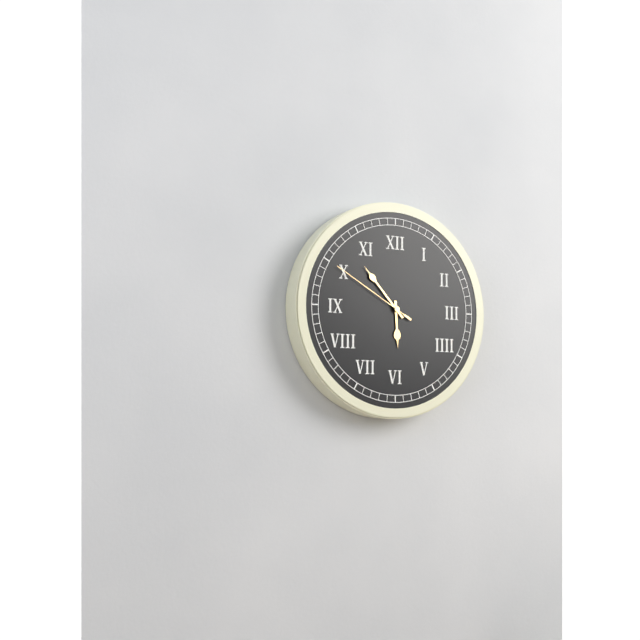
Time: **5:53:50**
